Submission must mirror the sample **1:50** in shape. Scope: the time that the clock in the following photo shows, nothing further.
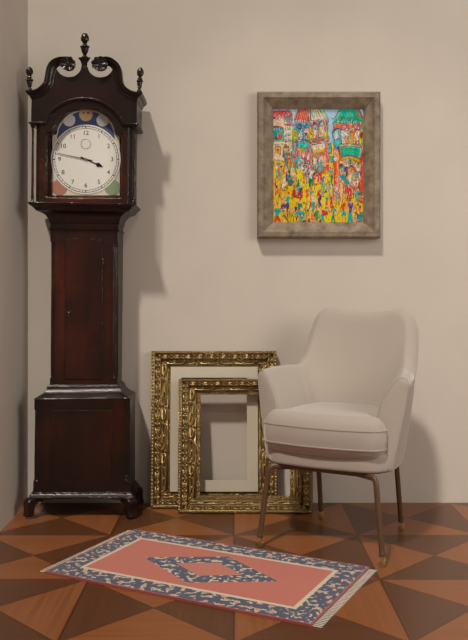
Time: **3:47**
